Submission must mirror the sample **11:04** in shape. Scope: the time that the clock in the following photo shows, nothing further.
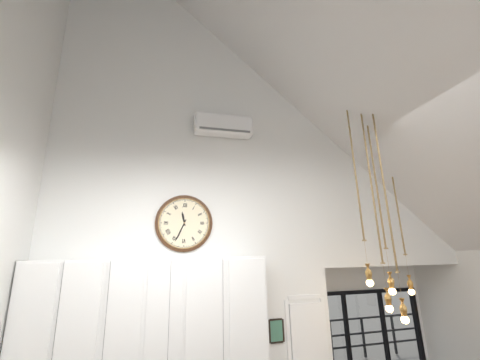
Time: **11:34**
